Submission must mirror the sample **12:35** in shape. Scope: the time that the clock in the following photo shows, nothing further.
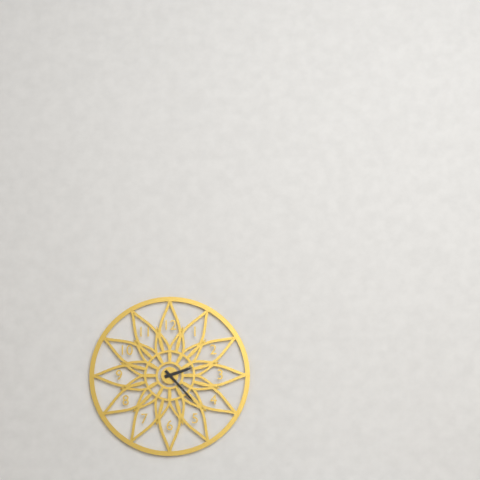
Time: **2:23**
